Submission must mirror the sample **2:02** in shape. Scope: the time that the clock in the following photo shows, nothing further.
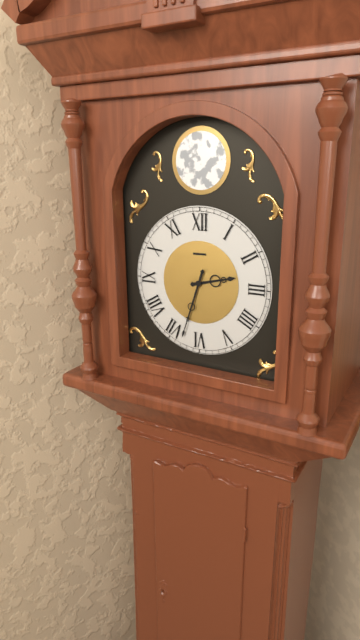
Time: **2:33**
